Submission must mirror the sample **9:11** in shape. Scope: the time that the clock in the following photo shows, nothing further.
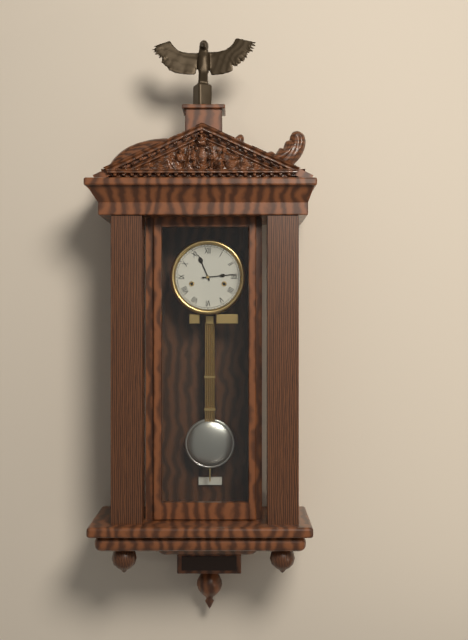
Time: **11:14**
